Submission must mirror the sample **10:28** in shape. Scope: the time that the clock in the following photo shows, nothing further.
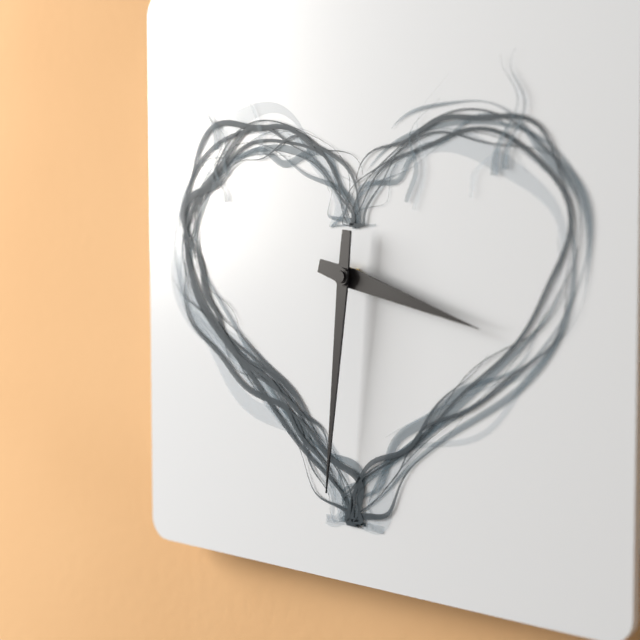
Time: **3:31**
